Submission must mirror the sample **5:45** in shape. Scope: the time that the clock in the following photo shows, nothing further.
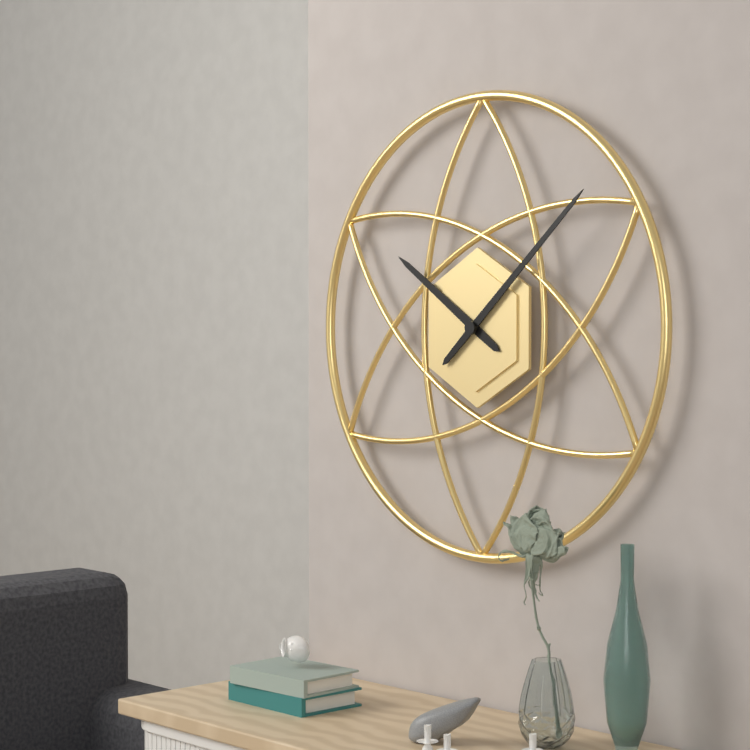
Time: **10:08**
